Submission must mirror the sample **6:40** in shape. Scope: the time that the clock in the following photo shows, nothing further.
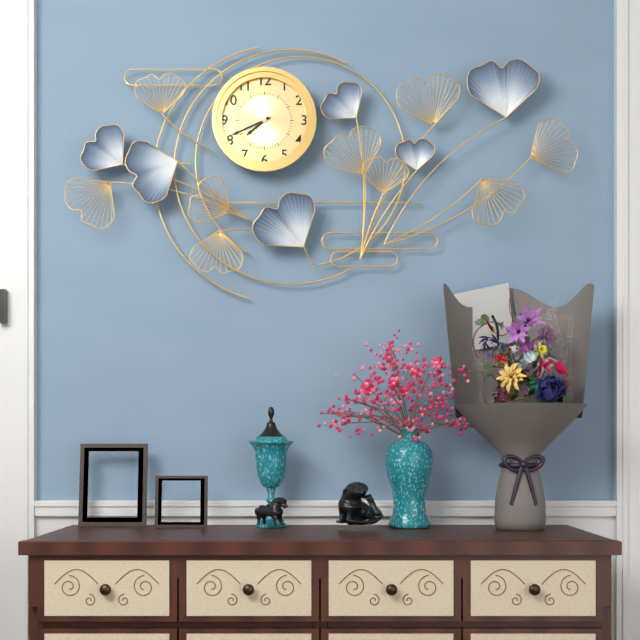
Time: **7:41**
